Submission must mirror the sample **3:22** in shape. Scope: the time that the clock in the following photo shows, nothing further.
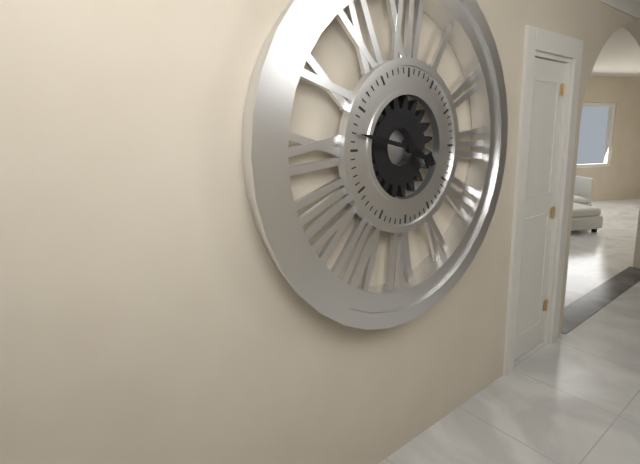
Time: **3:47**
